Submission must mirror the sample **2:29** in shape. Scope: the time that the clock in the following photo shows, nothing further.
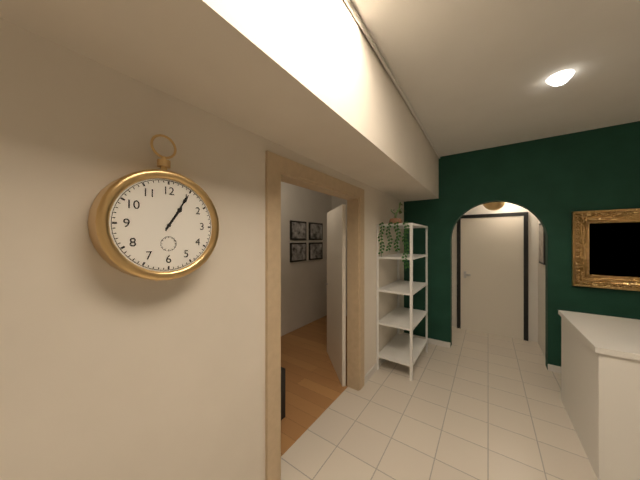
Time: **1:05**
